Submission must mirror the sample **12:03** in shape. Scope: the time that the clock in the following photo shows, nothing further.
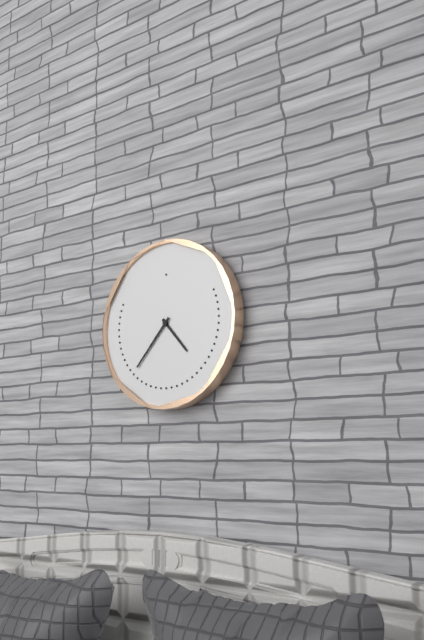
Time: **4:37**
